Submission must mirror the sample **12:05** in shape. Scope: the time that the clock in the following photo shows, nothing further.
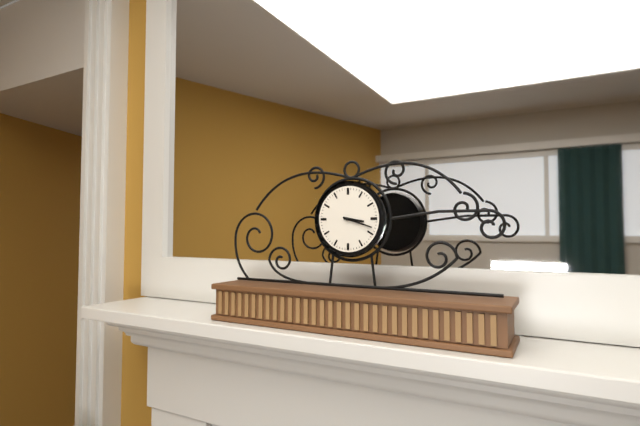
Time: **3:18**
